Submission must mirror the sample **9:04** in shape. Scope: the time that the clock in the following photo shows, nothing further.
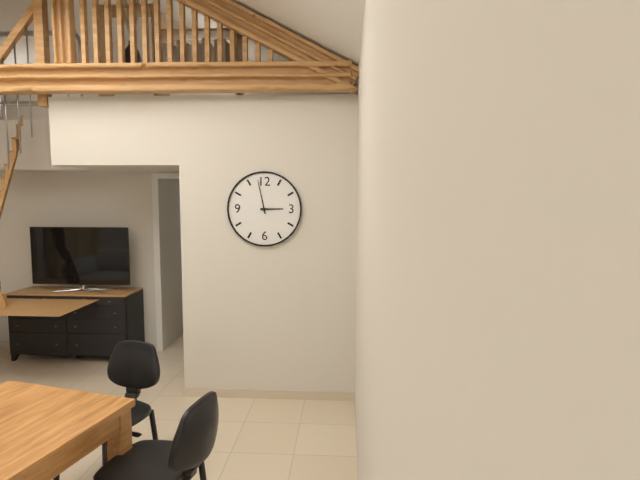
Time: **2:58**
